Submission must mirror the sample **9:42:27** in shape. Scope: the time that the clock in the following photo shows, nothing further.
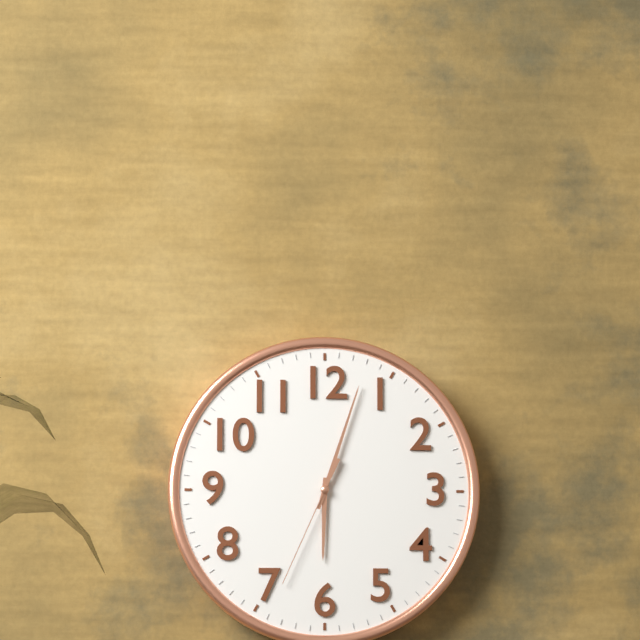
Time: **6:03:34**
